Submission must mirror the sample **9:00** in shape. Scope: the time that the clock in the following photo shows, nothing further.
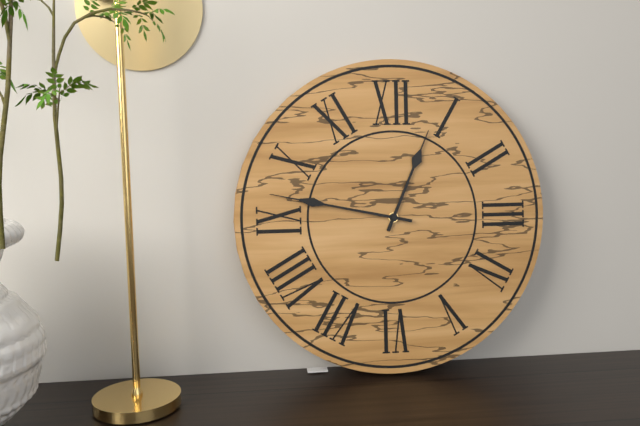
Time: **12:47**
